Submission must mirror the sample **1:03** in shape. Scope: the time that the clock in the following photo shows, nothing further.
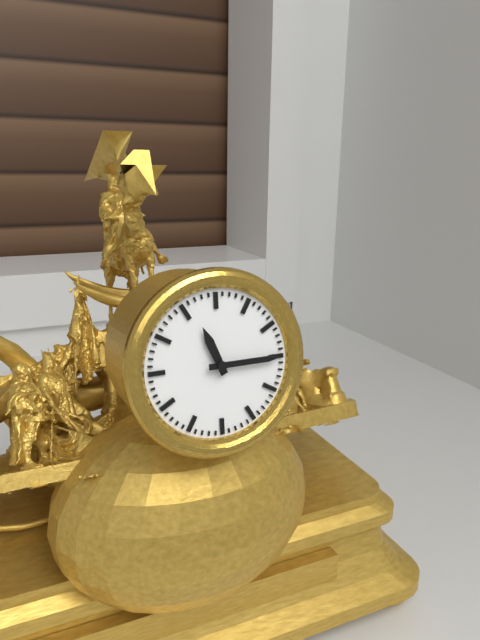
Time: **11:15**
